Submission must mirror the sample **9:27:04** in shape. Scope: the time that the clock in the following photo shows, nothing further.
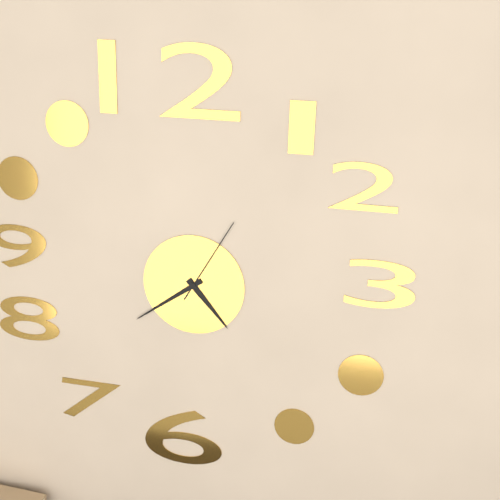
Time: **4:39:05**
